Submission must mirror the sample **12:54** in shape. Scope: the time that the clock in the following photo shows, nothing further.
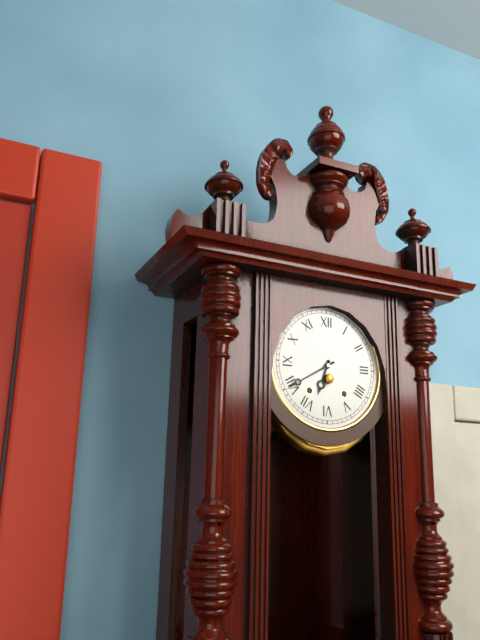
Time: **6:40**
